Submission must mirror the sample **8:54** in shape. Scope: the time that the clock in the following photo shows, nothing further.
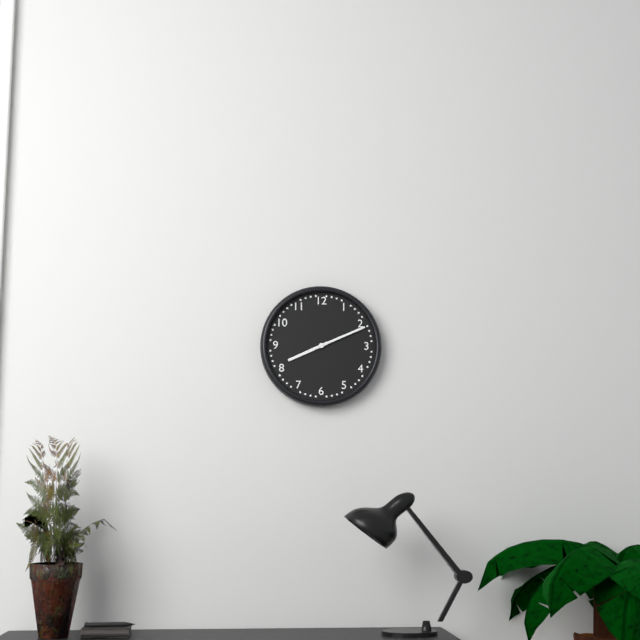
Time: **8:11**
